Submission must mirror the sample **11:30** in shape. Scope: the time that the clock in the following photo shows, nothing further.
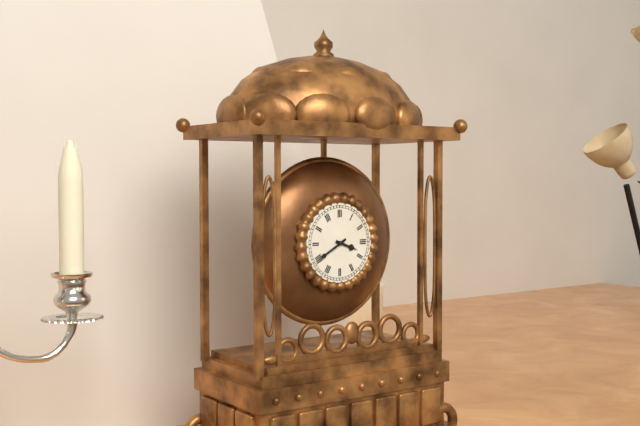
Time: **3:40**
